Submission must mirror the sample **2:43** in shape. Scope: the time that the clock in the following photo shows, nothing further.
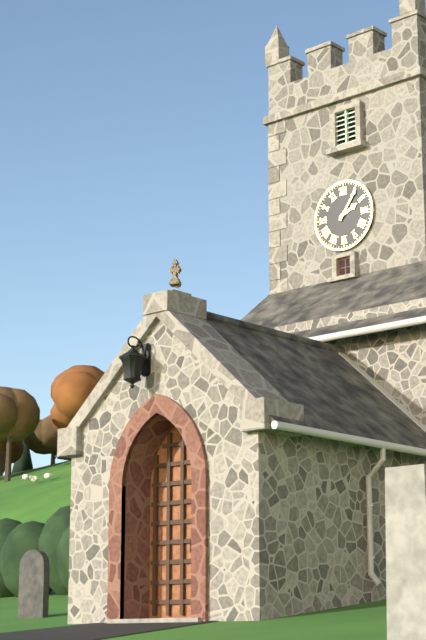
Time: **2:06**
